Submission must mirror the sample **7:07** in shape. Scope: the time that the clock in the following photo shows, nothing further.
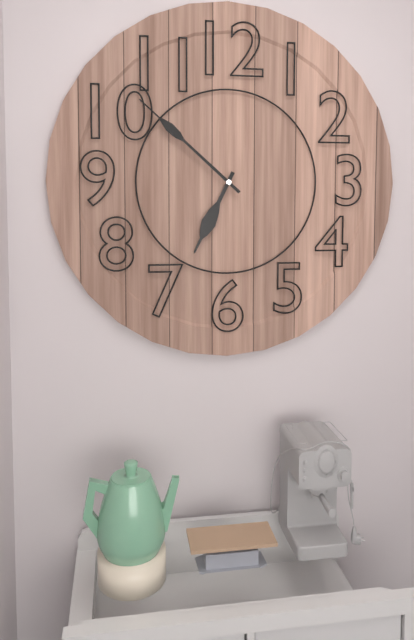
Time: **6:52**
